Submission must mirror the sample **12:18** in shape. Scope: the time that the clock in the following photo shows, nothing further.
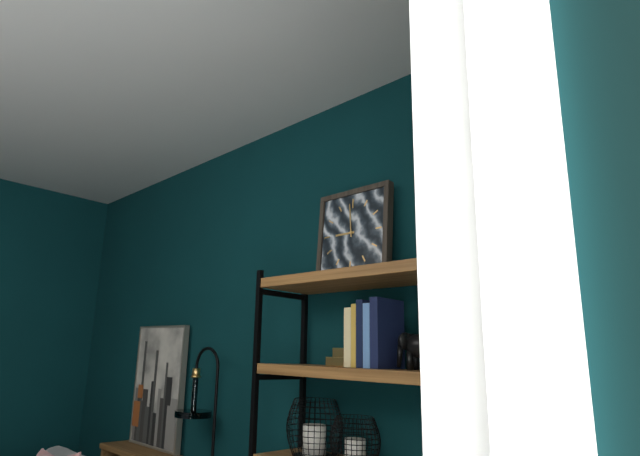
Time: **8:59**
